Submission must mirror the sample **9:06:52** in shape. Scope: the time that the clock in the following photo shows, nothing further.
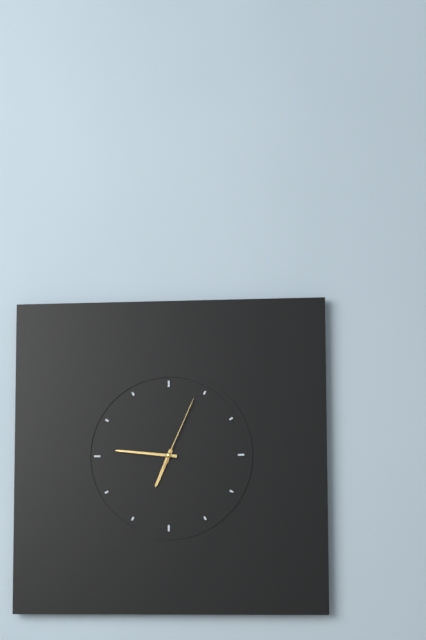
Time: **6:46:04**
